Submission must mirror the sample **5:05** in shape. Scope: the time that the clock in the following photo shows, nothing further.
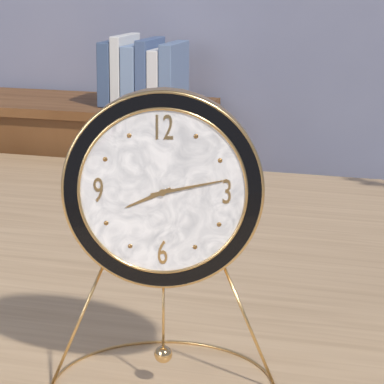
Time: **8:13**
